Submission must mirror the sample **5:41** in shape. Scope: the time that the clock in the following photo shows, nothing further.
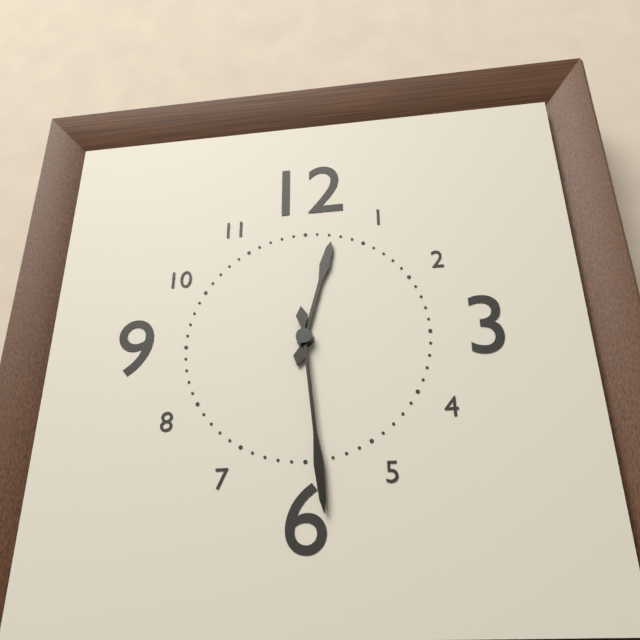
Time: **12:29**
